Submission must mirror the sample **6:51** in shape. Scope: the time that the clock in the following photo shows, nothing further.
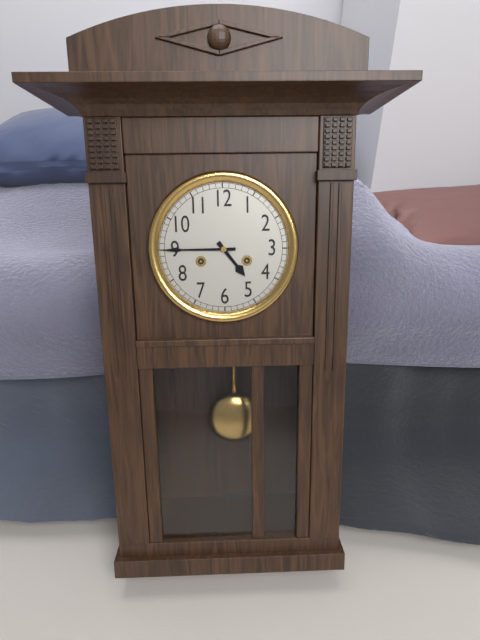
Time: **4:45**
